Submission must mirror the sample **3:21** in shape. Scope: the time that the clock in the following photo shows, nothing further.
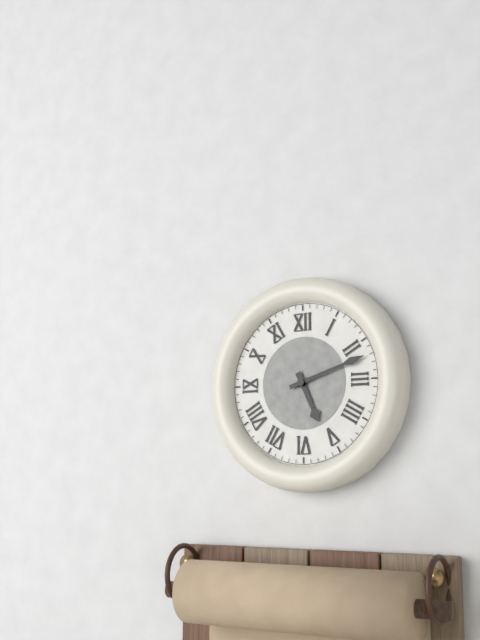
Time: **5:12**
